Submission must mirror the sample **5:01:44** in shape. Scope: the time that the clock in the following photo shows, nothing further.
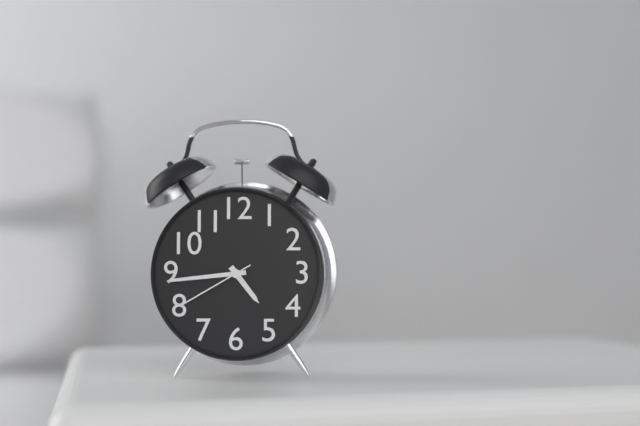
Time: **4:44:40**
